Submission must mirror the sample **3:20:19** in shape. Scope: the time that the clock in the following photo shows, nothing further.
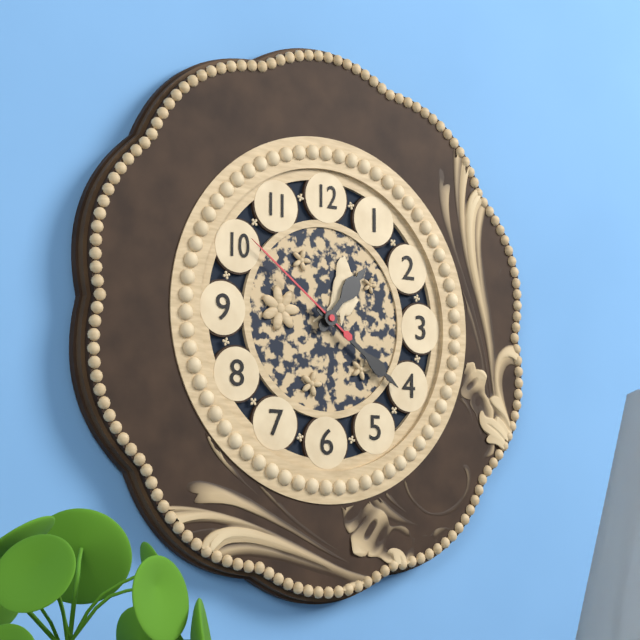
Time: **1:21:51**
